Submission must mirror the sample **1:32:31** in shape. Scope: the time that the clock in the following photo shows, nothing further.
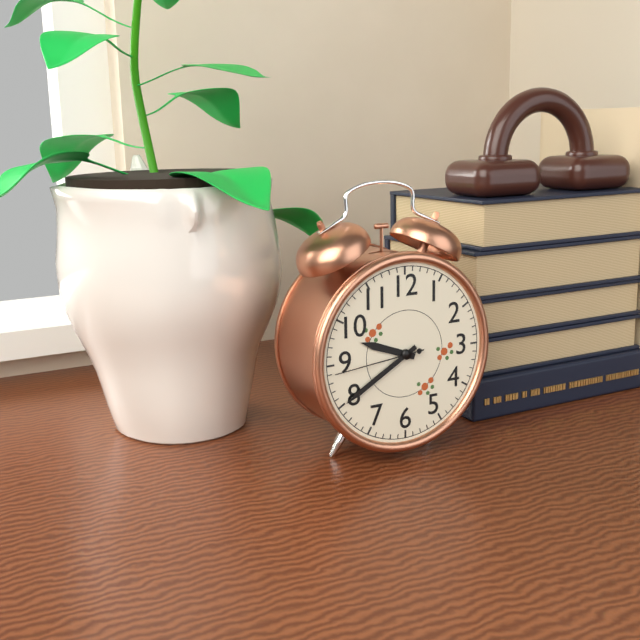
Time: **9:40:44**
